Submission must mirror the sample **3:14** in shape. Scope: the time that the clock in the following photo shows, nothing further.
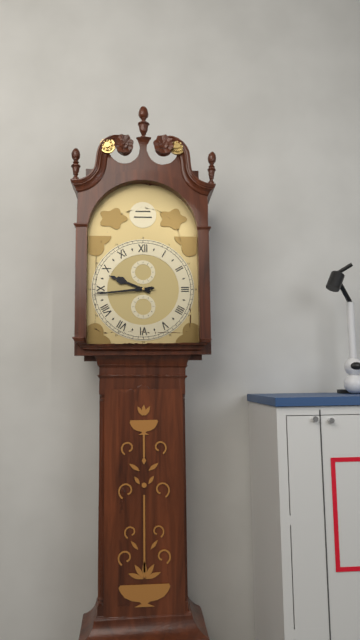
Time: **9:44**
